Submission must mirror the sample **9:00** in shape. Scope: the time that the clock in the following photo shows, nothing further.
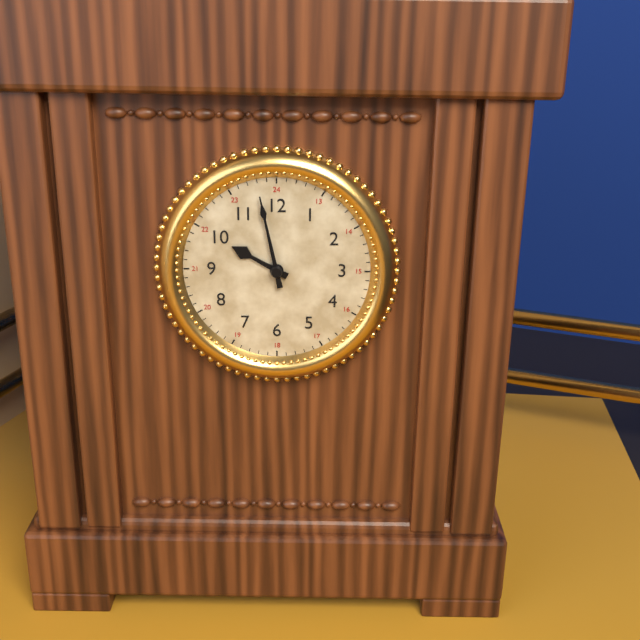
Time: **9:58**
